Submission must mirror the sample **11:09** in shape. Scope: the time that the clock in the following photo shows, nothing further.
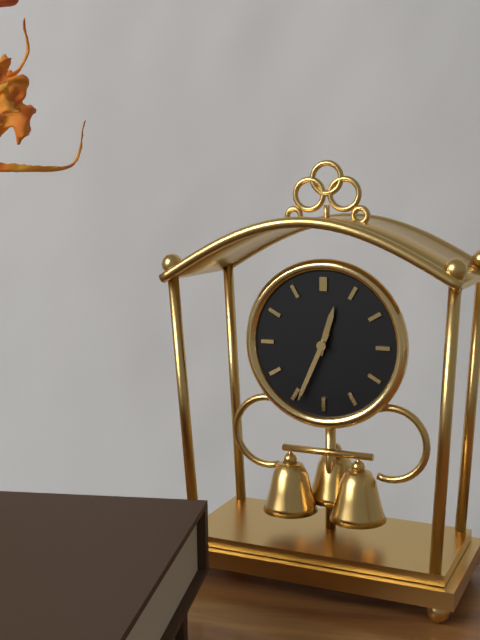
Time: **12:34**
